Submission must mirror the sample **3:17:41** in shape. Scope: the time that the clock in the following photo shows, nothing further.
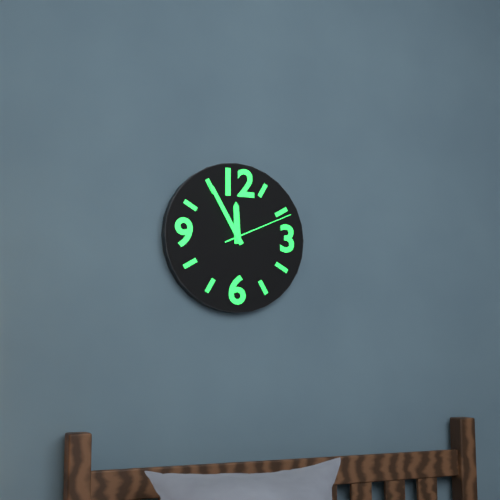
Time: **11:55:11**
